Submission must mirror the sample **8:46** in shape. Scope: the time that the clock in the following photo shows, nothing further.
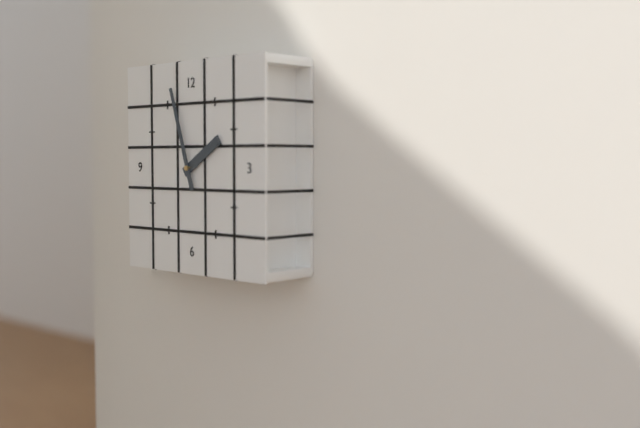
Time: **1:57**
